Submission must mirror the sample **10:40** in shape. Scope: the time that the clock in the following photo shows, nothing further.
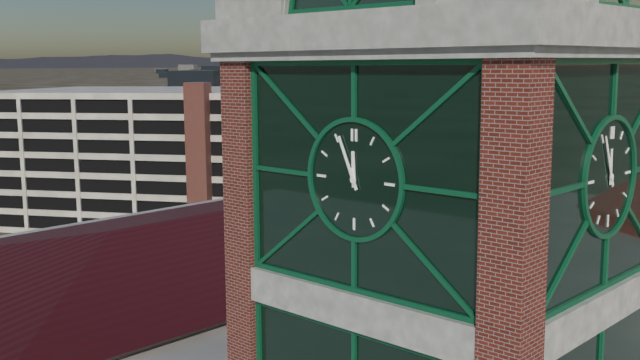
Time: **11:56**
